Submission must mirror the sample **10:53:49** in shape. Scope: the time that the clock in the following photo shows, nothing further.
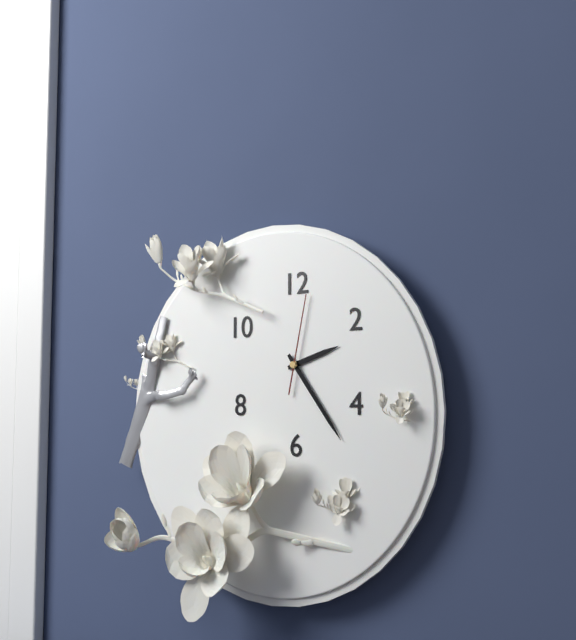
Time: **2:24:02**
